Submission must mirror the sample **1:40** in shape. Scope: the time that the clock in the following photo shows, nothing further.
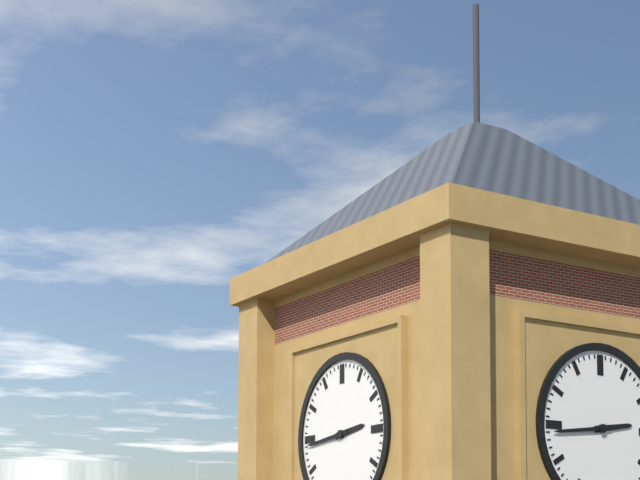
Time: **2:44**
